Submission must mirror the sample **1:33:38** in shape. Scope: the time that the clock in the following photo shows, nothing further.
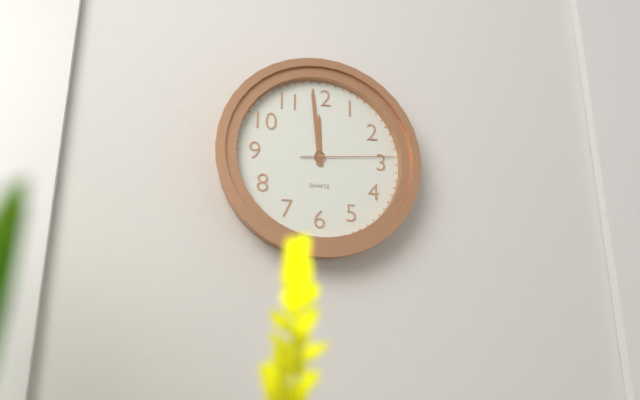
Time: **11:59:14**
